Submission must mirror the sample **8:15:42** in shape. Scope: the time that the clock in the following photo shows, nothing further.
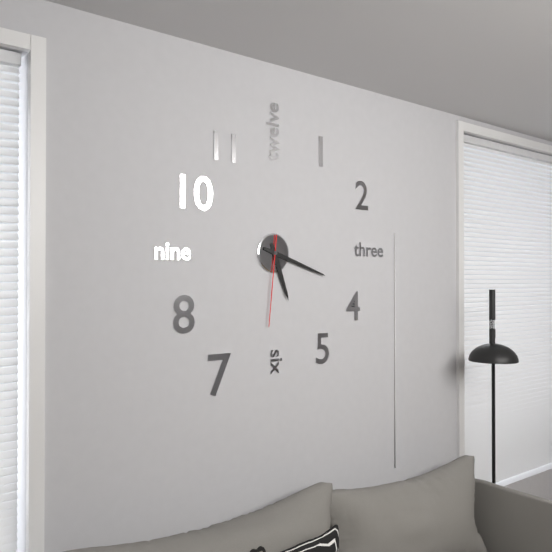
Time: **5:18:31**
